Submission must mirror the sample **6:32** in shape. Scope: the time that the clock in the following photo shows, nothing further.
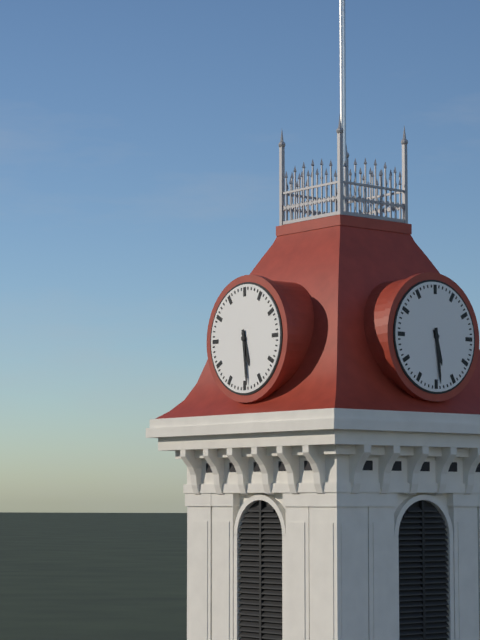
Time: **5:29**
